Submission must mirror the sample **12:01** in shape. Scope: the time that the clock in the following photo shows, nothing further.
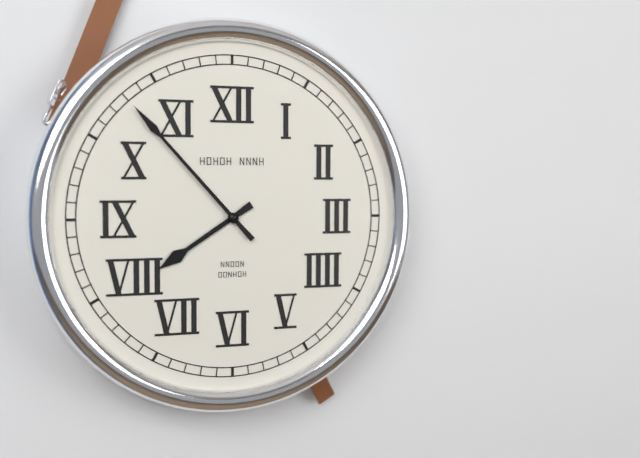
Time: **7:53**
